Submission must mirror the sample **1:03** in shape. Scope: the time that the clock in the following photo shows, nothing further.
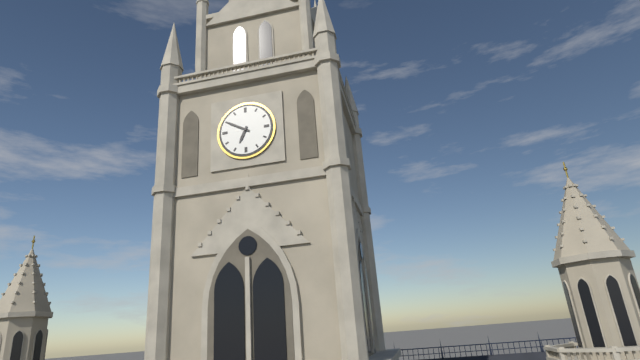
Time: **6:50**
